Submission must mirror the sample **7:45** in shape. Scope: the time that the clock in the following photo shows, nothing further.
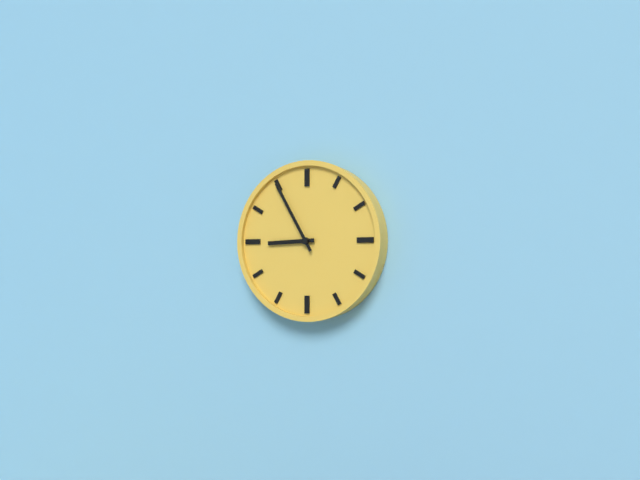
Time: **8:55**
